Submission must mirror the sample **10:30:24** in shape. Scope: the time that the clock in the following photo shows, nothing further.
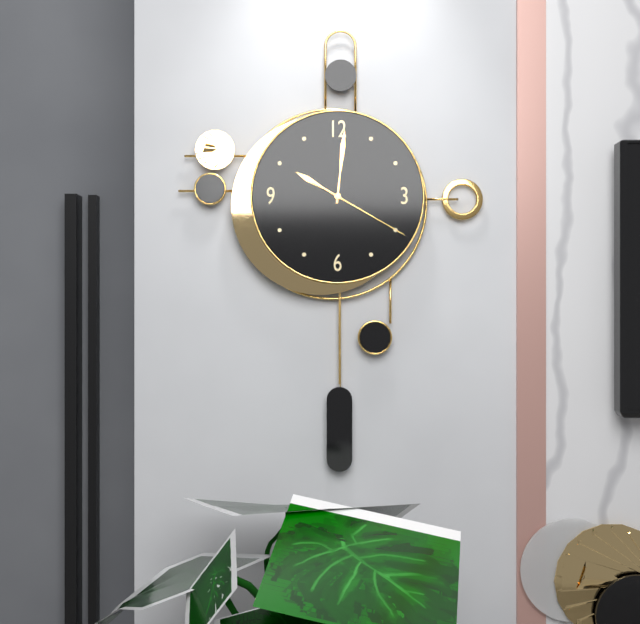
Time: **10:01:20**
